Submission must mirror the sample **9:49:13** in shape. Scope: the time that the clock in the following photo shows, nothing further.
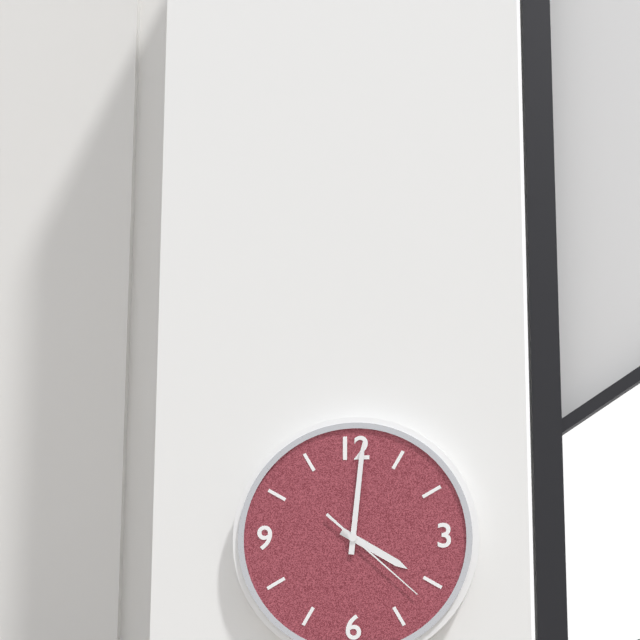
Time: **4:01:22**
